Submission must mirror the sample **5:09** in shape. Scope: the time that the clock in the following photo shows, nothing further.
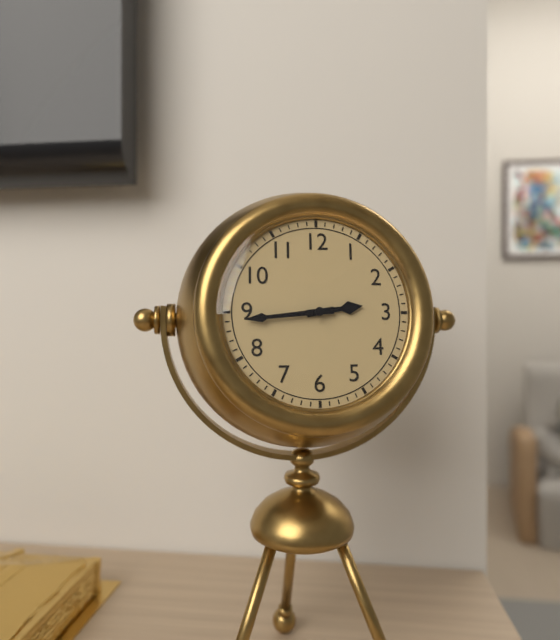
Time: **2:44**
